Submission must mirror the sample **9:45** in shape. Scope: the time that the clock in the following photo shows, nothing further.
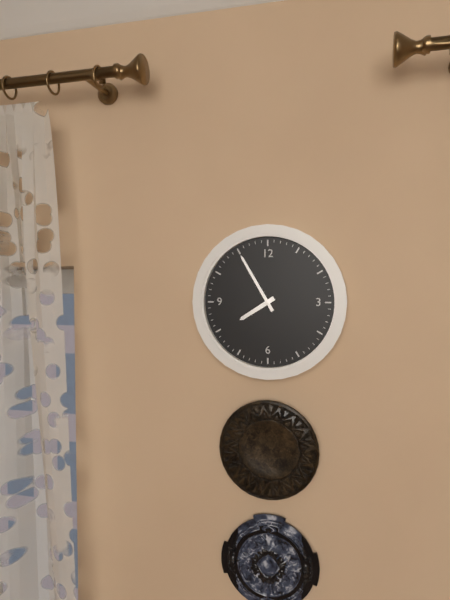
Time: **7:55**
